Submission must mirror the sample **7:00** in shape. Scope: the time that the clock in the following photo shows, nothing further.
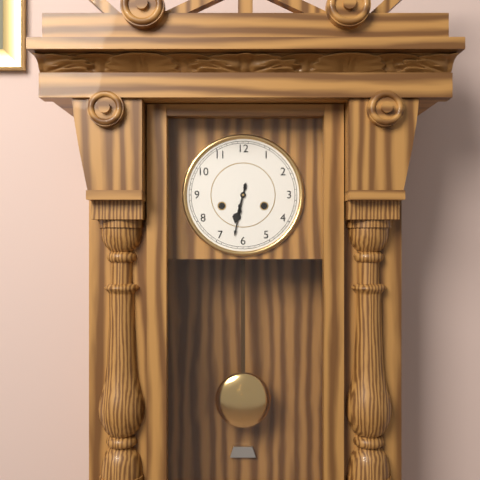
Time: **6:32**
